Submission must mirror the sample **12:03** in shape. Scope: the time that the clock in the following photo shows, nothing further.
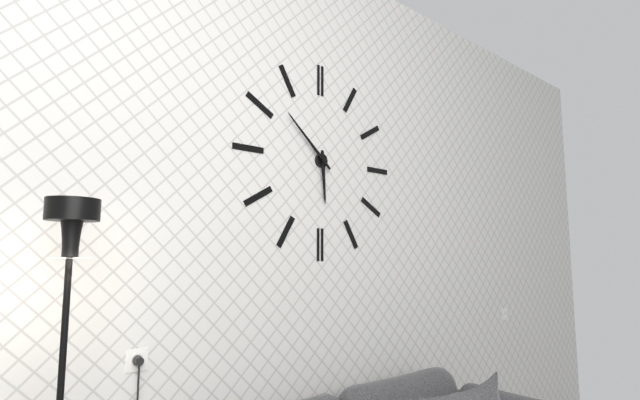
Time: **5:52**
